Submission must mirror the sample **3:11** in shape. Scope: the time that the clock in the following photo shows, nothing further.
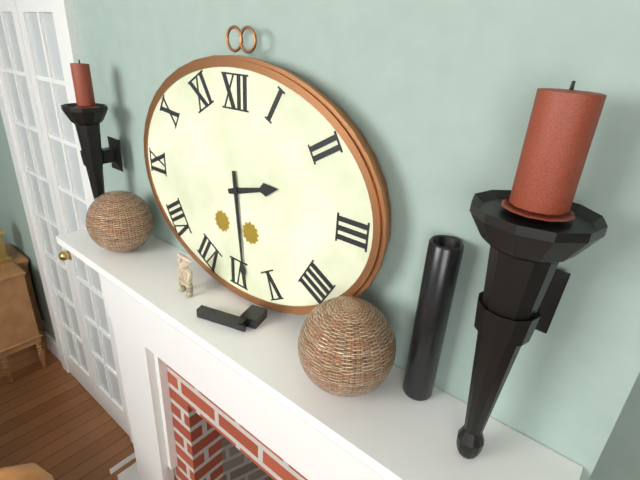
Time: **2:29**
